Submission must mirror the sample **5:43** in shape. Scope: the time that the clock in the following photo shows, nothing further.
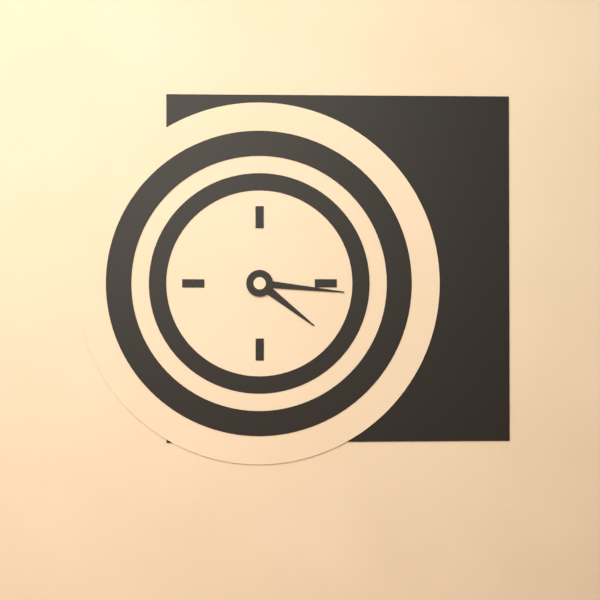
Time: **4:16**
